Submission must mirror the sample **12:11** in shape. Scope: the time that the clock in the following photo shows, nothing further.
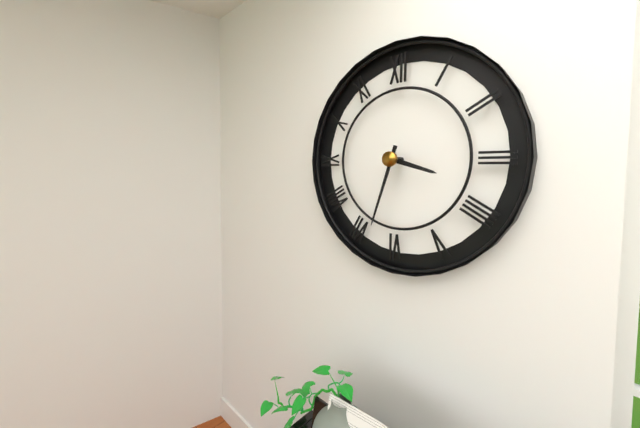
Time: **3:33**
